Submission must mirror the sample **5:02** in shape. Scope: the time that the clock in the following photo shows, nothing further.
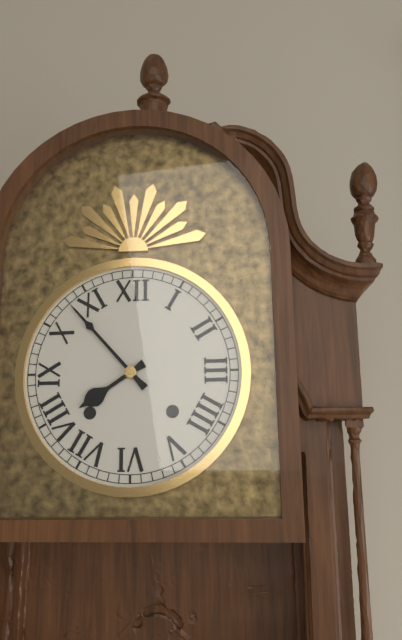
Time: **7:53**
